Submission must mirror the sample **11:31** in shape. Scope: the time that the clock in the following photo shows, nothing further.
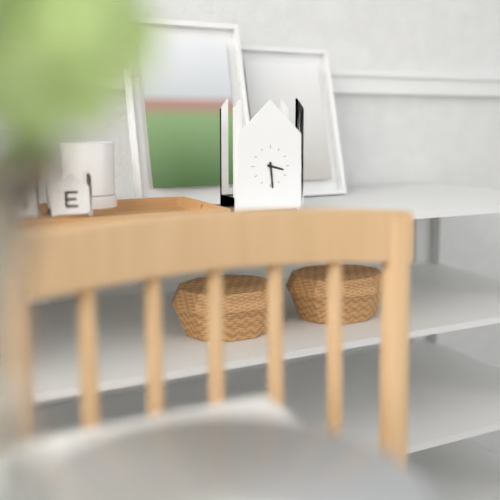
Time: **3:29**
